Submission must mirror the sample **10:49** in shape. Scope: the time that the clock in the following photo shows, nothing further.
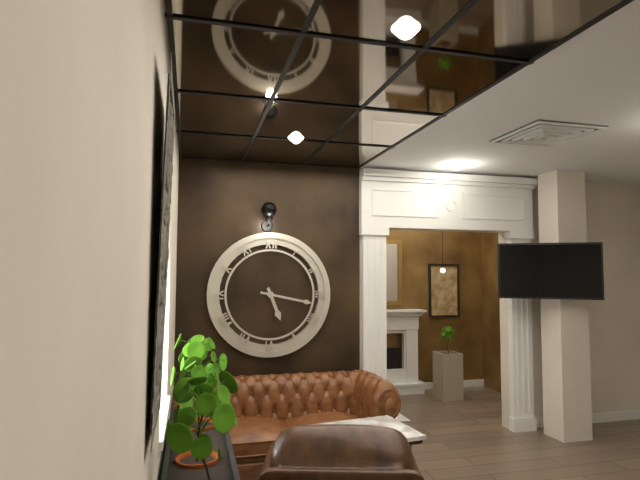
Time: **5:17**
